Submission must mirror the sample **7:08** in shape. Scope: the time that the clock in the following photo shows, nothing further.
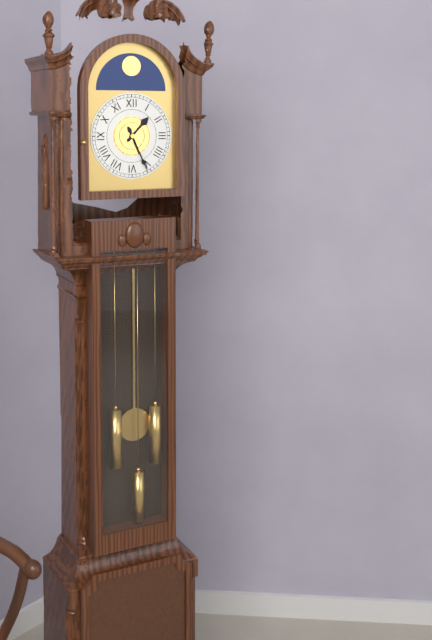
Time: **1:26**
